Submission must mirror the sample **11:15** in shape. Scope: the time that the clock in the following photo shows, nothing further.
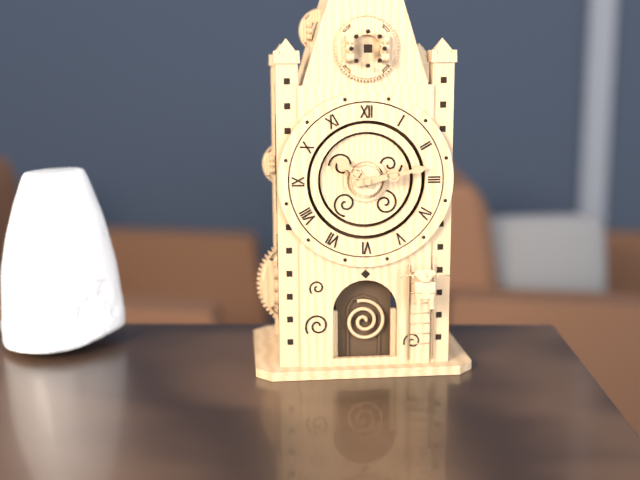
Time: **10:13**
